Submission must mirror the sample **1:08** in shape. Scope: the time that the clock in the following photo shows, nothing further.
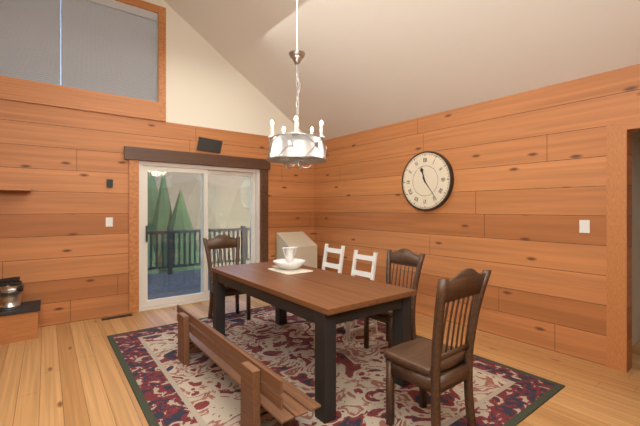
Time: **11:24**
